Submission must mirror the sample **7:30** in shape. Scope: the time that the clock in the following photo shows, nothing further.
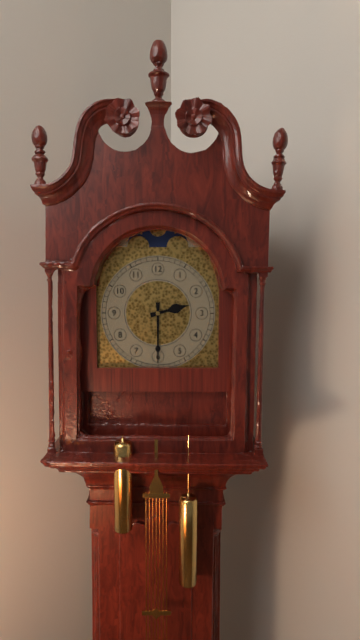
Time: **2:30**
